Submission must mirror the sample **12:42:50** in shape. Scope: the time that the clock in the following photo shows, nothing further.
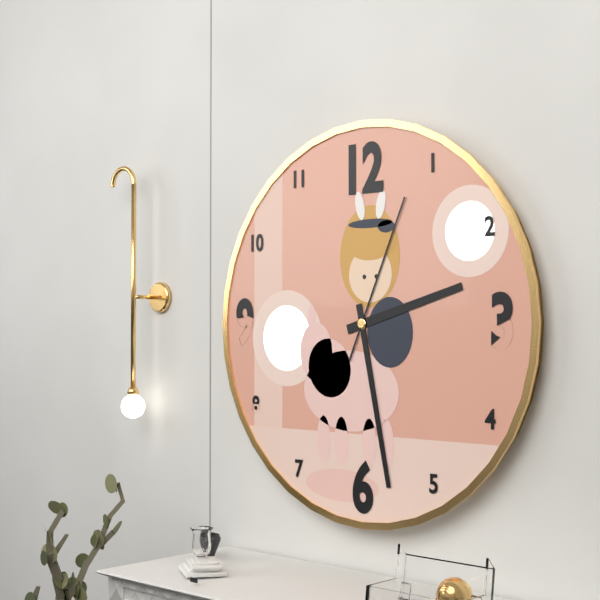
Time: **2:28:04**
